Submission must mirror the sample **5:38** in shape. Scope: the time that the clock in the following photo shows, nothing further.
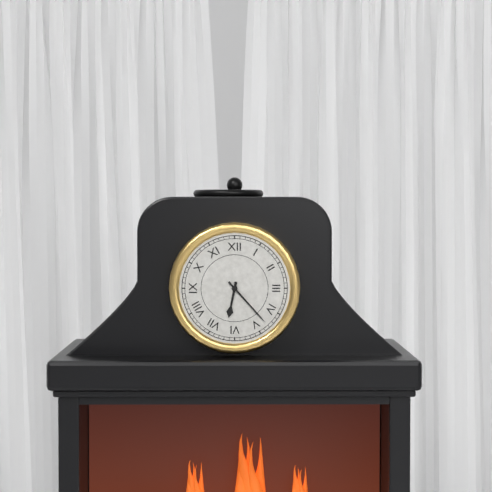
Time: **6:23**
